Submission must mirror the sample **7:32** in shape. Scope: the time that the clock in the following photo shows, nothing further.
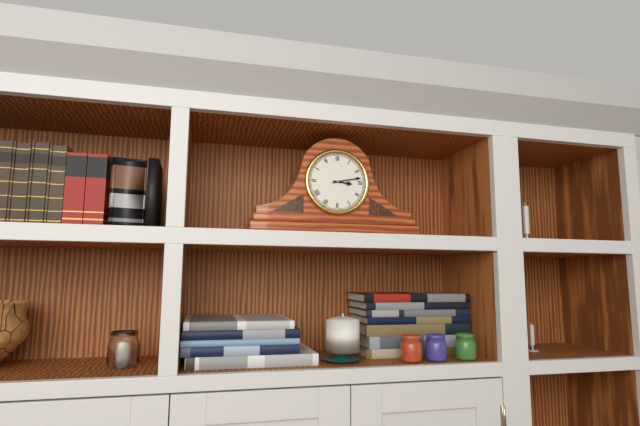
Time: **3:13**
